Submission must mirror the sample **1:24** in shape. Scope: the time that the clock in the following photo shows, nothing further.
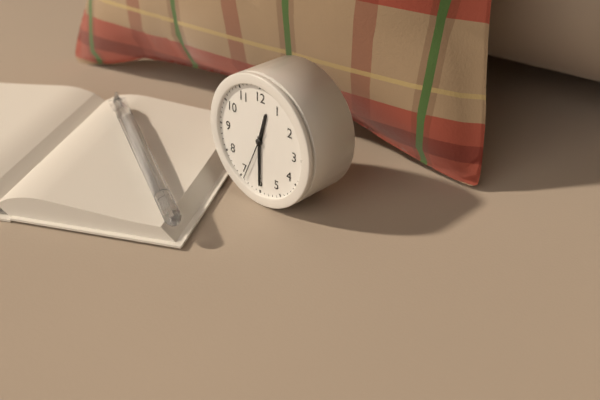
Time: **12:30**
